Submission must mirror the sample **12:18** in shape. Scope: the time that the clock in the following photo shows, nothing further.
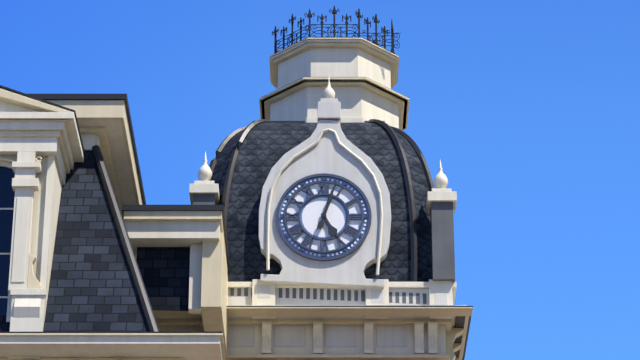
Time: **5:03**
